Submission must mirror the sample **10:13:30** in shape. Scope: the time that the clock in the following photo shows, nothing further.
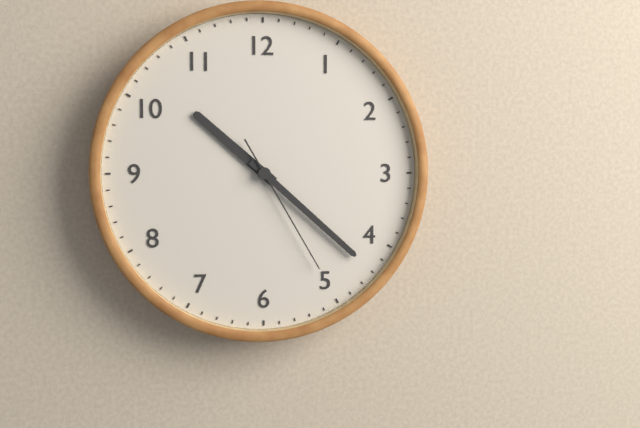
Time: **10:22:25**
